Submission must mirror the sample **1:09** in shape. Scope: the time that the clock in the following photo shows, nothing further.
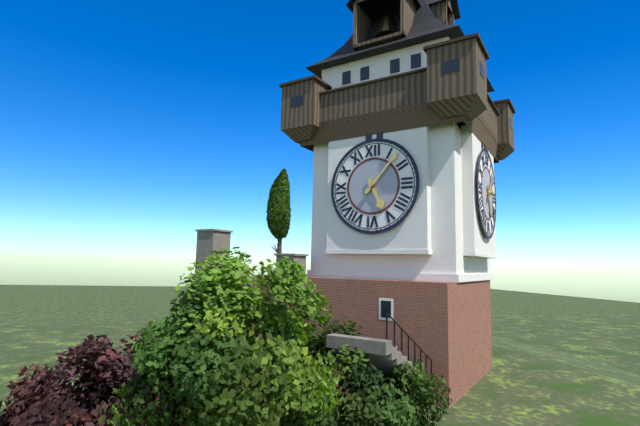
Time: **5:07**
